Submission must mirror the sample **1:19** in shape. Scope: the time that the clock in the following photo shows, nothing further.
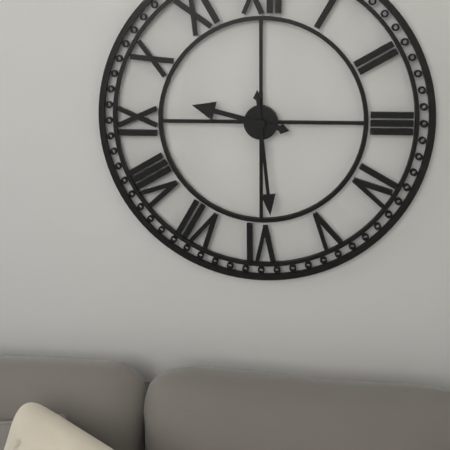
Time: **9:29**
